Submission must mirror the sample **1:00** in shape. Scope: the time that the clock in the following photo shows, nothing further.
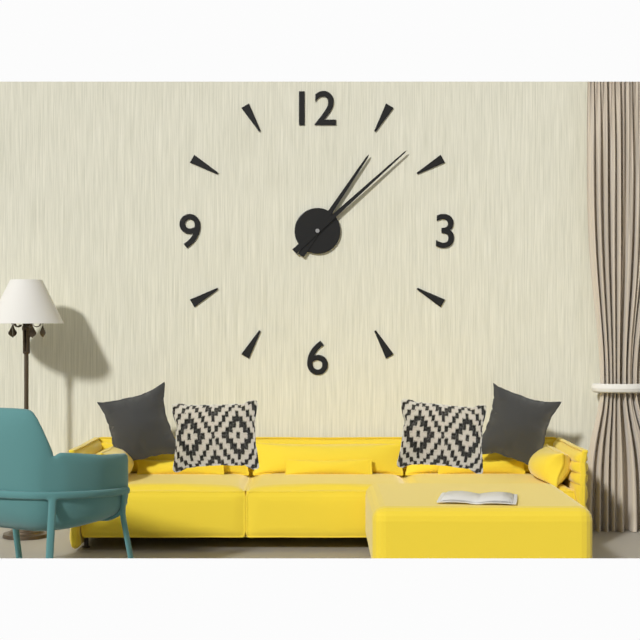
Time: **1:08**
